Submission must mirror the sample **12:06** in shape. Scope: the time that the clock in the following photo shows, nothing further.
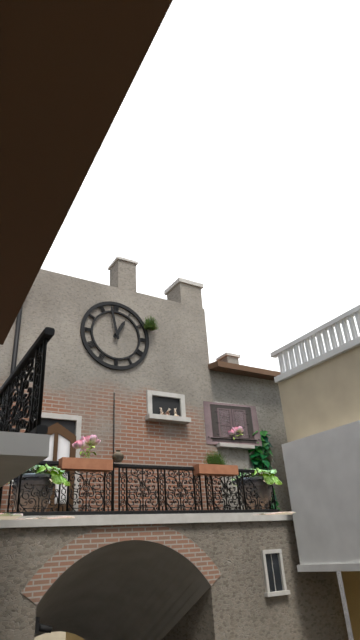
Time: **12:58**
